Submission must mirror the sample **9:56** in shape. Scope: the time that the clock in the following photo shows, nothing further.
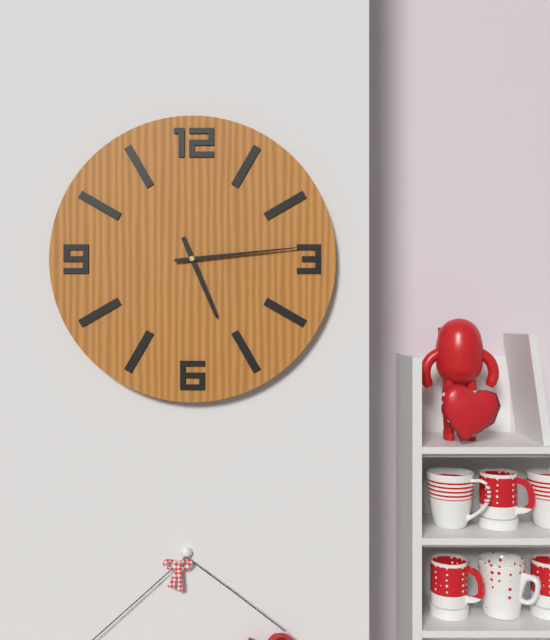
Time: **5:14**
